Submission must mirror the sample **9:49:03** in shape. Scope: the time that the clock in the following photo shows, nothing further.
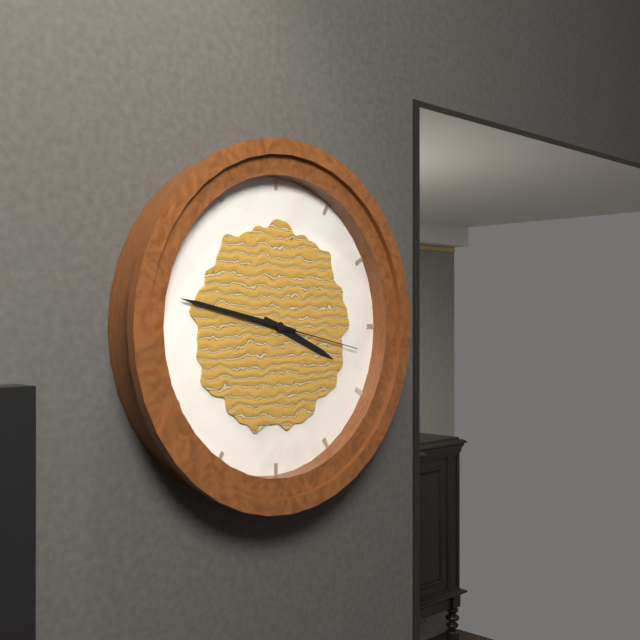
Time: **3:47:17**
